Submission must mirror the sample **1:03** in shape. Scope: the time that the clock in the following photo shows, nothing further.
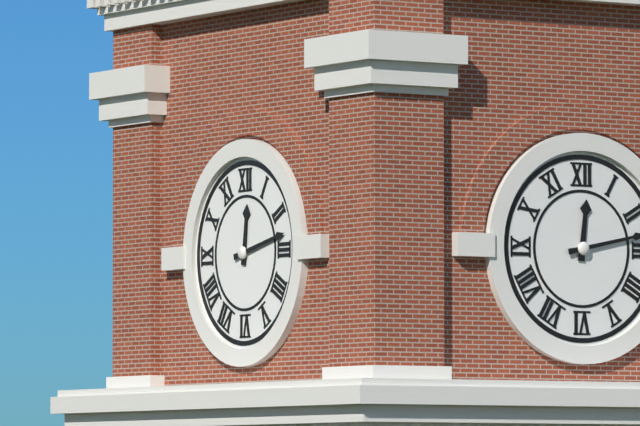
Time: **12:13**
